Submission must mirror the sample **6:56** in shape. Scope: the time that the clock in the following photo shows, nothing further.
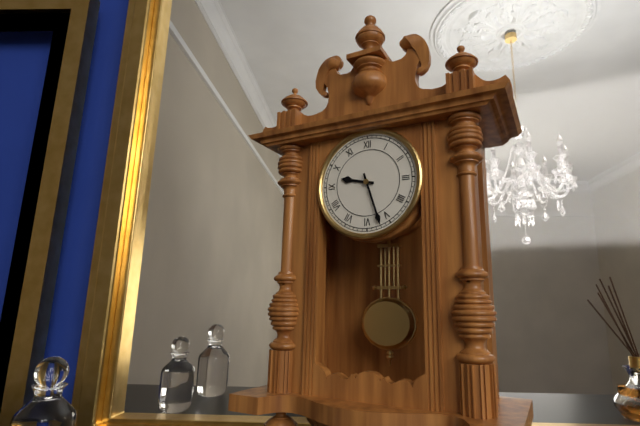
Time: **9:27**
